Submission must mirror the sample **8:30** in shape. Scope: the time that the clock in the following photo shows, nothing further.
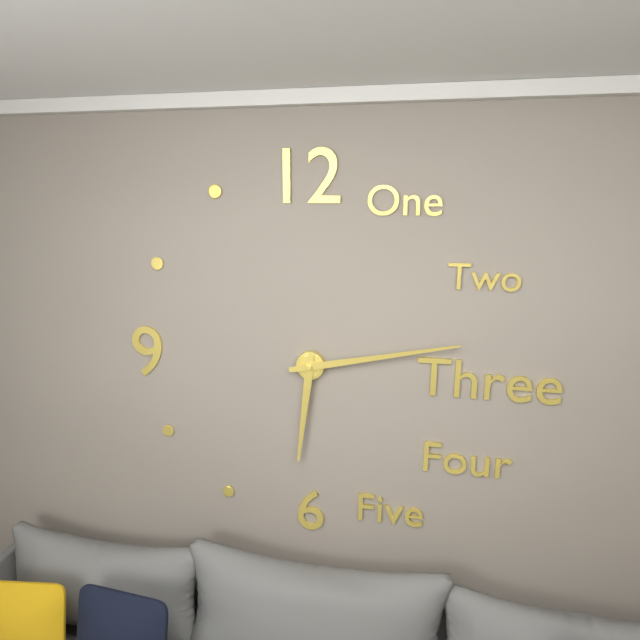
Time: **6:13**
